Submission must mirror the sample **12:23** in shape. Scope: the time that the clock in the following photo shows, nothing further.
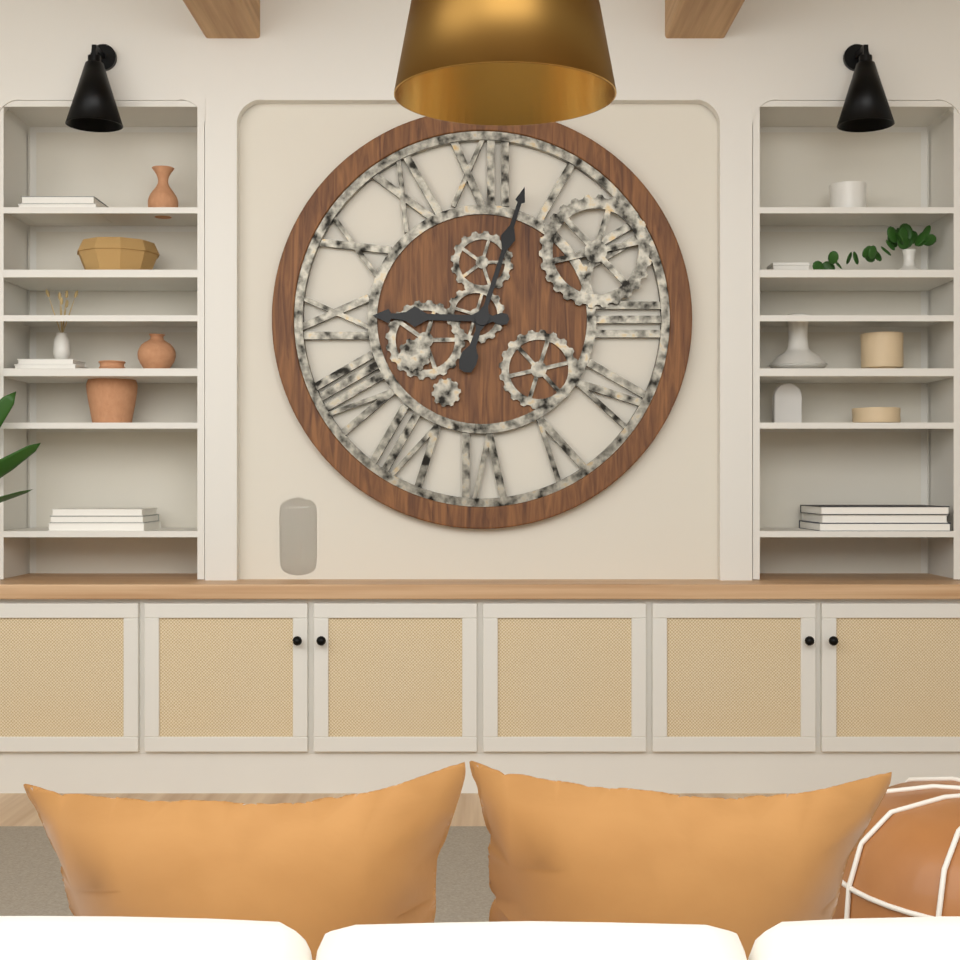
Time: **9:03**
